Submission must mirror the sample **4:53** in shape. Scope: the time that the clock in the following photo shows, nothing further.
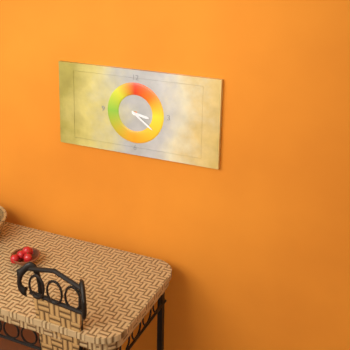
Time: **3:21**
